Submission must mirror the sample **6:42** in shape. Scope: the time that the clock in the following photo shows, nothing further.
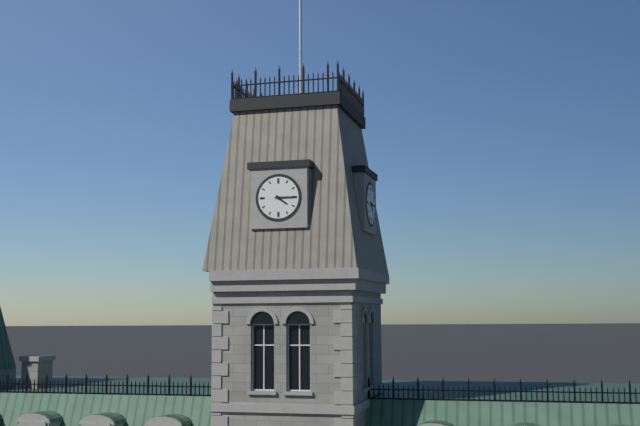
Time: **4:15**
